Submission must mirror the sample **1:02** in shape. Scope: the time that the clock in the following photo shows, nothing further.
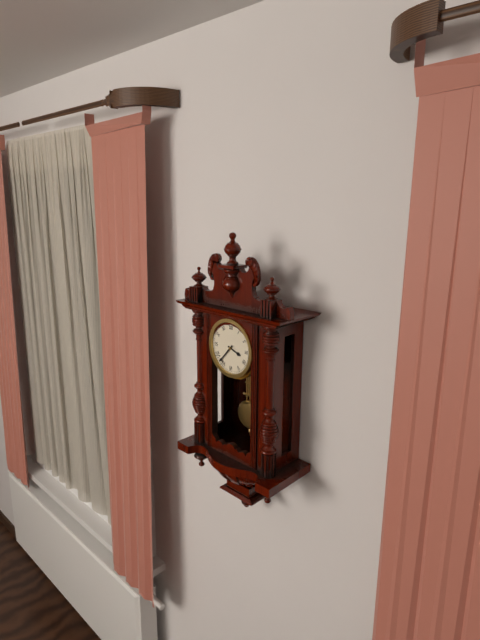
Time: **3:37**
